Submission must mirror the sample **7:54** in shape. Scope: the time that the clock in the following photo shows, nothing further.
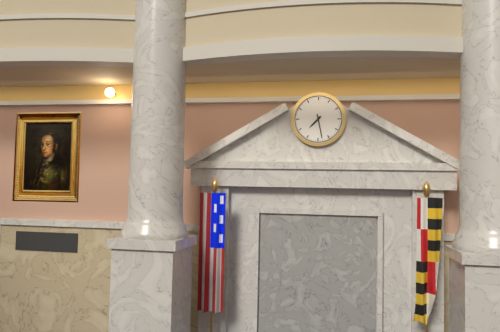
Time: **7:28**
